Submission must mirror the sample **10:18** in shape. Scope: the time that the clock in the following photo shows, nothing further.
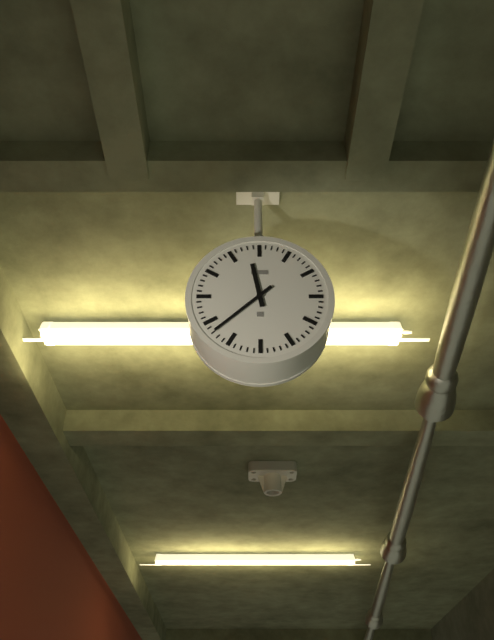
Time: **11:38**
